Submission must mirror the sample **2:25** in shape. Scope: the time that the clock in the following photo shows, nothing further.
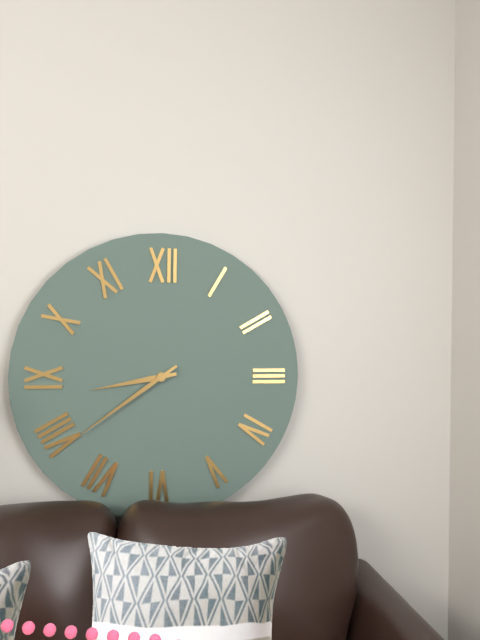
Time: **8:39**
